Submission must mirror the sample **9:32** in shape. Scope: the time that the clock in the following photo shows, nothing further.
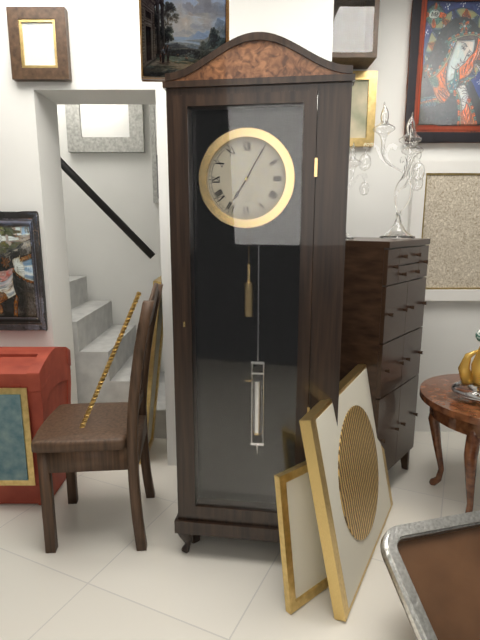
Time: **7:05**
